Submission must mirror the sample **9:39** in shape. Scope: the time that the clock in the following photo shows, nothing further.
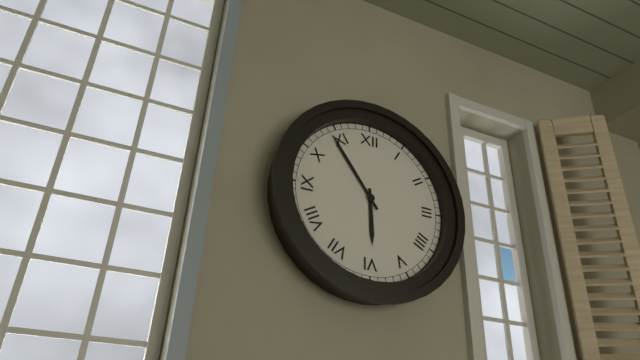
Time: **5:54**
